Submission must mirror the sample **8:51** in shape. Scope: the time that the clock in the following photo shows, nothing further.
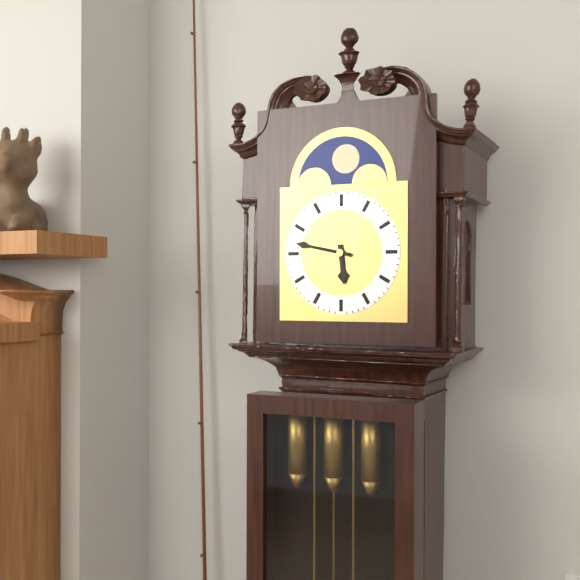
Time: **5:47**
